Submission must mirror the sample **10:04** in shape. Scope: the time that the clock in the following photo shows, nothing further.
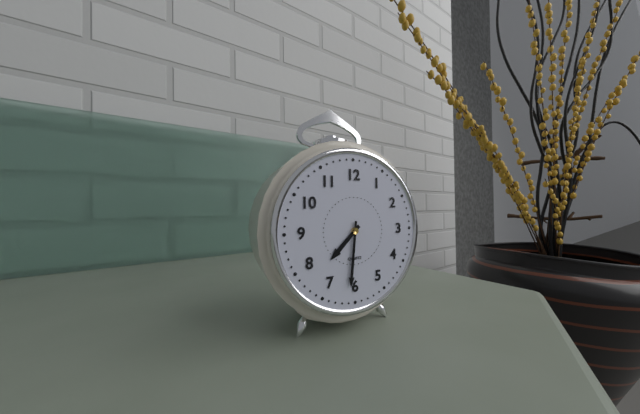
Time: **7:31**
